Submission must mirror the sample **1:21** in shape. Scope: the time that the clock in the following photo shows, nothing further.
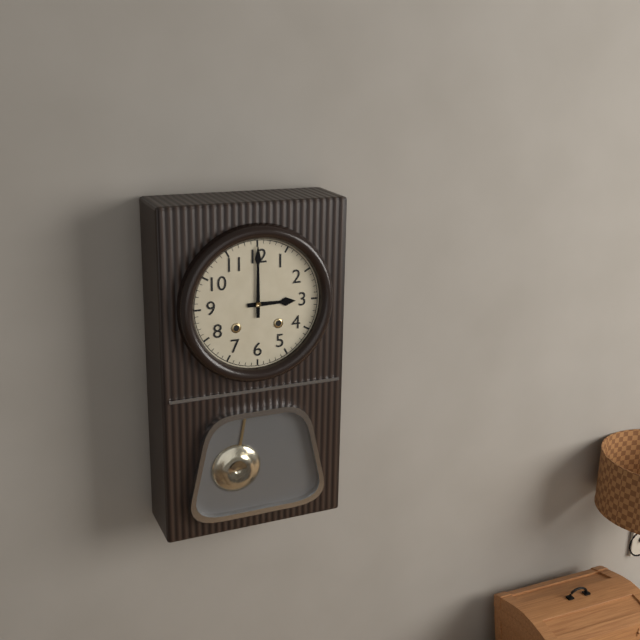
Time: **3:00**
